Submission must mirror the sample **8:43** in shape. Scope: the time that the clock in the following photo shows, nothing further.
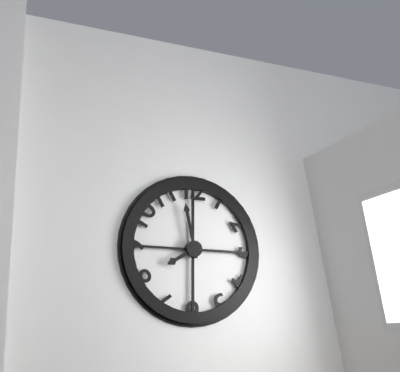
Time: **7:58**
